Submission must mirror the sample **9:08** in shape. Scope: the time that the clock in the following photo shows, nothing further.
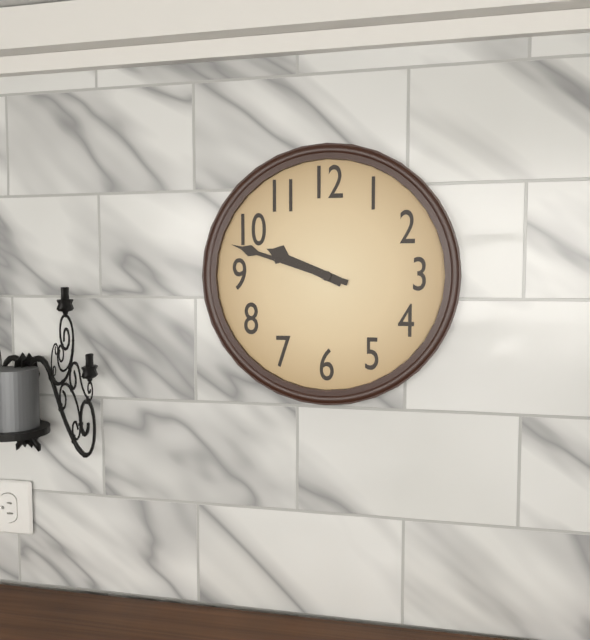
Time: **9:48**
